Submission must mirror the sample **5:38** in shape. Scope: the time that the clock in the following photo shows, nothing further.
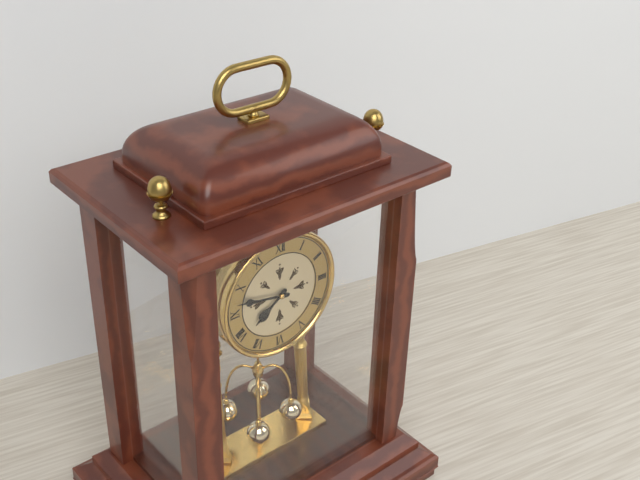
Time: **7:47**
